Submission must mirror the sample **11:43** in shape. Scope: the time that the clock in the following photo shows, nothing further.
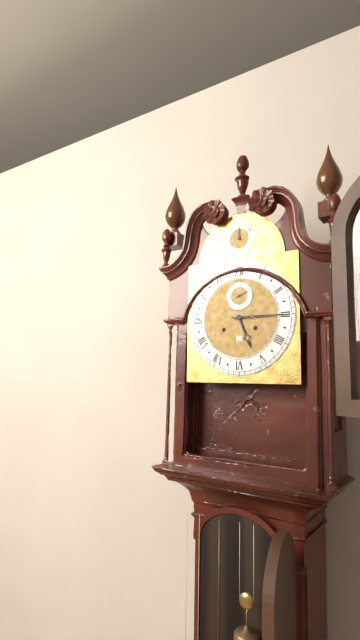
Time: **5:15**
